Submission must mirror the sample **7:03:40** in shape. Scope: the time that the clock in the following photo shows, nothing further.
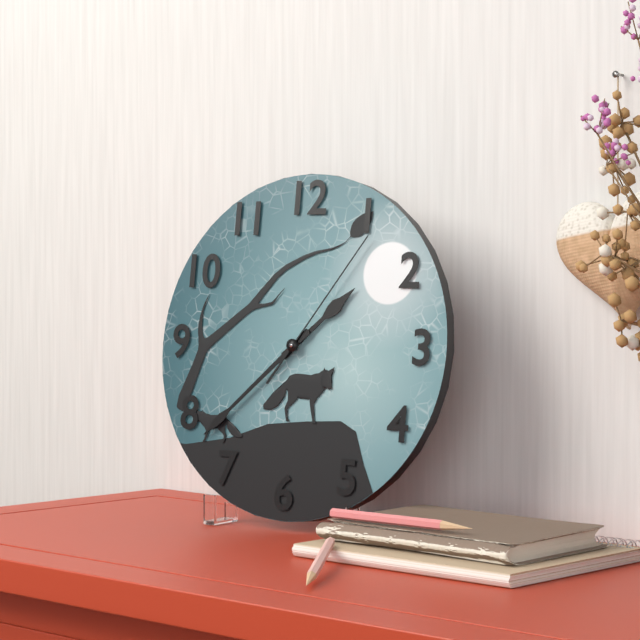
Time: **1:38:06**
